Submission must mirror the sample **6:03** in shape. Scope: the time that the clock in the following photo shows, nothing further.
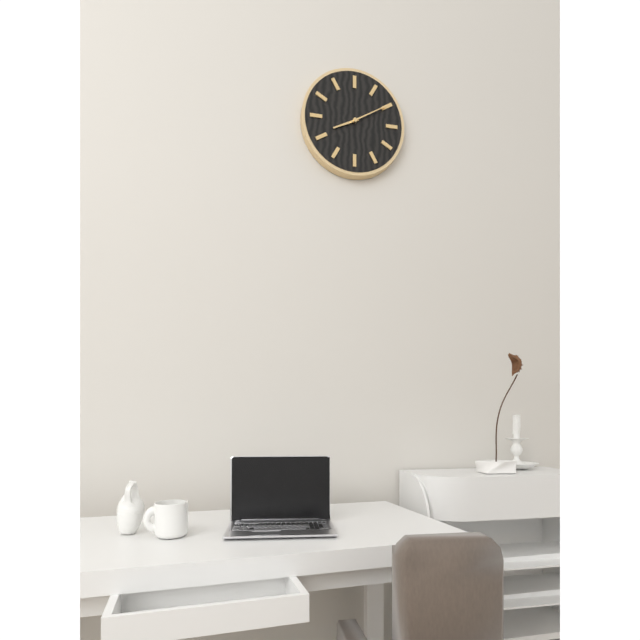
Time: **8:10**
